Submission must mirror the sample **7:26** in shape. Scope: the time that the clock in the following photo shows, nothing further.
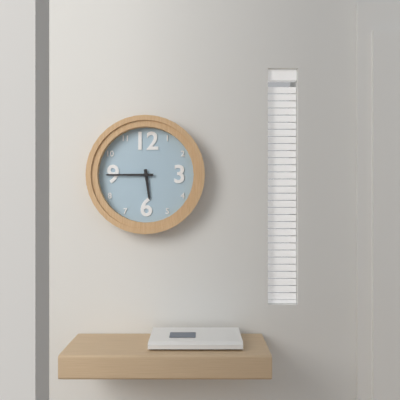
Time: **5:45**
